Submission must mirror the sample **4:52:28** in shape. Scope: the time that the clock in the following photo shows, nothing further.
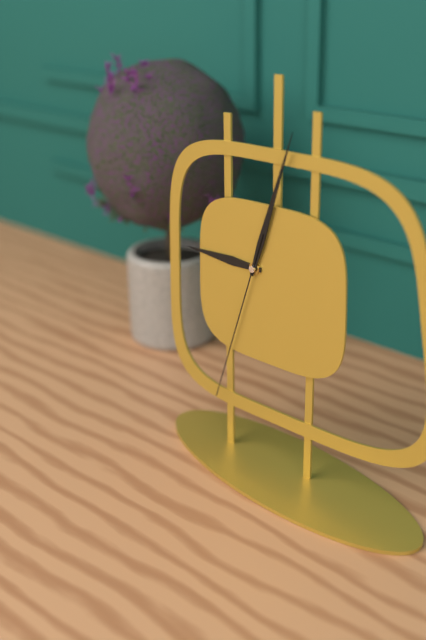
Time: **9:03:33**
